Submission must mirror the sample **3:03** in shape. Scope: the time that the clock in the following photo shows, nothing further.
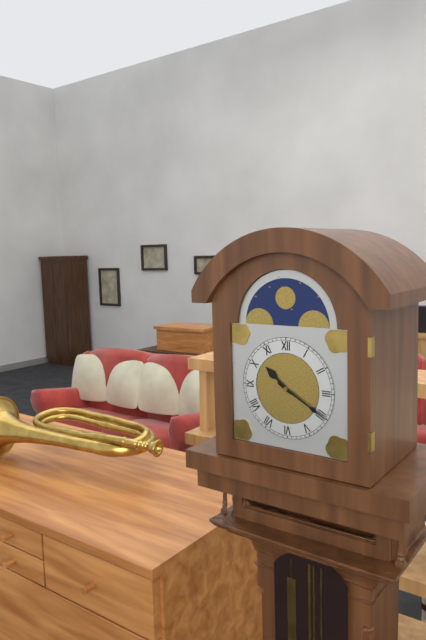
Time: **10:20**
